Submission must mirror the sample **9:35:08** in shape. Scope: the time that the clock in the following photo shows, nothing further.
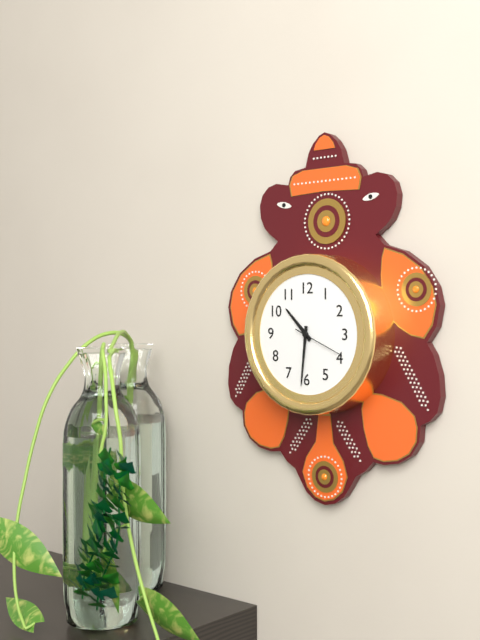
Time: **10:31:19**
